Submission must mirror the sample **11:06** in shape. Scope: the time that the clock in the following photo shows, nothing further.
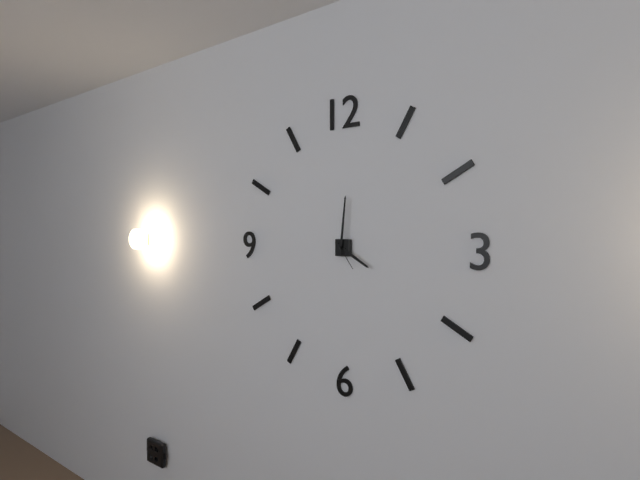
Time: **4:01**
